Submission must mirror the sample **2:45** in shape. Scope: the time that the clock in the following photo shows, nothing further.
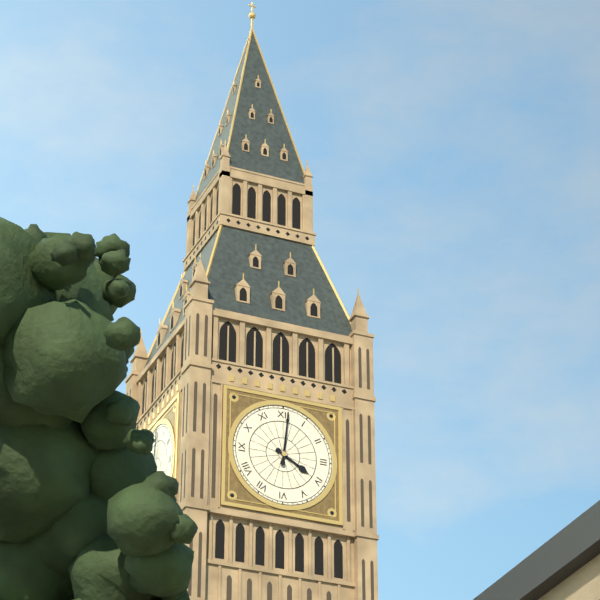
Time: **4:01**
